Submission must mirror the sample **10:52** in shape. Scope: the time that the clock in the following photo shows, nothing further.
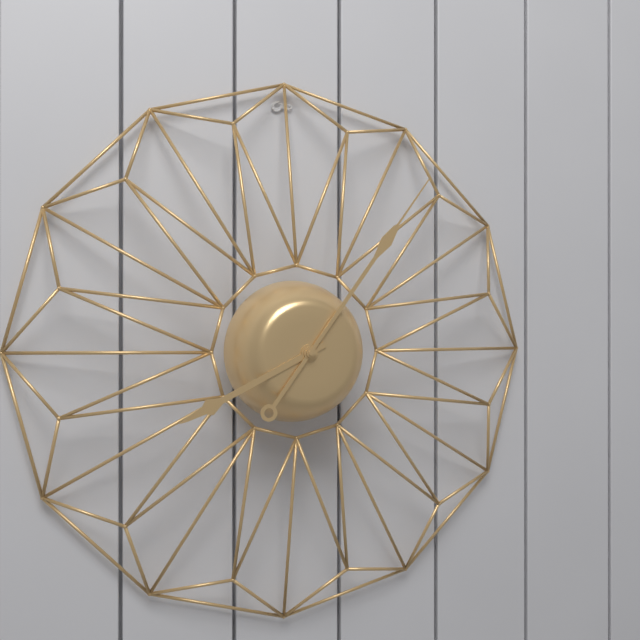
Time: **8:06**
